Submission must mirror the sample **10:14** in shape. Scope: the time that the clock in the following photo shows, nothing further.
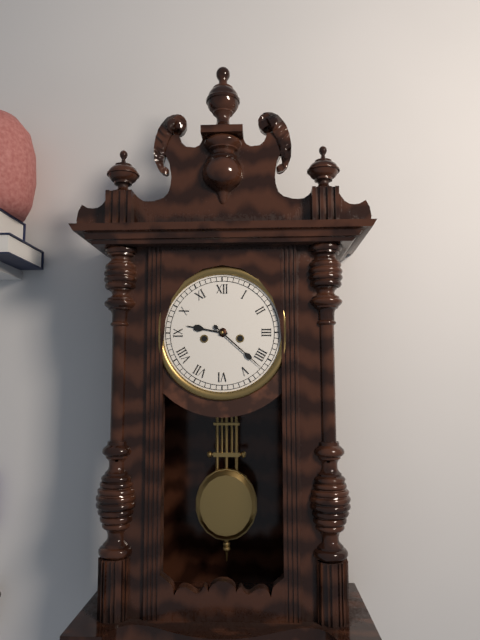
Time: **9:22**
